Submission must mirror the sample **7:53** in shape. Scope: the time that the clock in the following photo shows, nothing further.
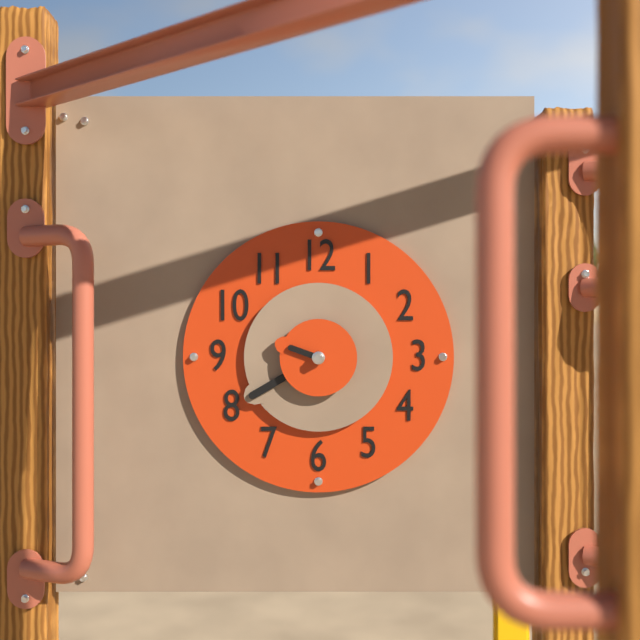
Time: **9:40**
